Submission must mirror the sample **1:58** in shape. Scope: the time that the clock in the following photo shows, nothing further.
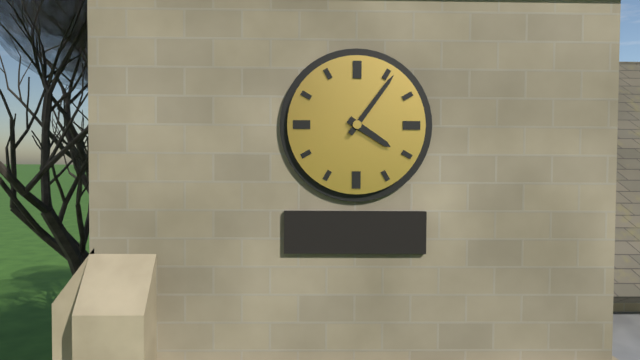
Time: **4:06**
